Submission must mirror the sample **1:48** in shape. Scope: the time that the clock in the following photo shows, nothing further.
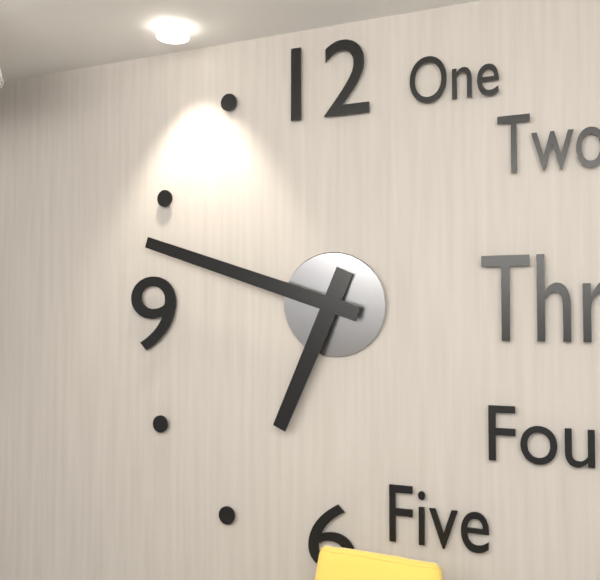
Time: **6:48**
